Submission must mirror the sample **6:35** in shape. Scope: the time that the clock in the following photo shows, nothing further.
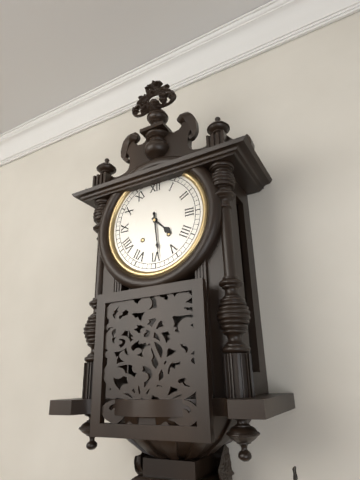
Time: **4:29**
